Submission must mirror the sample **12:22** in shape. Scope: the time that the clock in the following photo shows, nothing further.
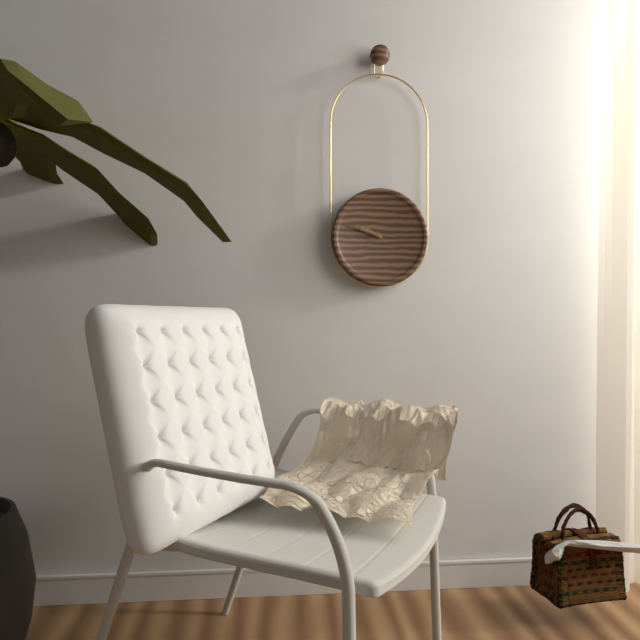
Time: **9:48**
